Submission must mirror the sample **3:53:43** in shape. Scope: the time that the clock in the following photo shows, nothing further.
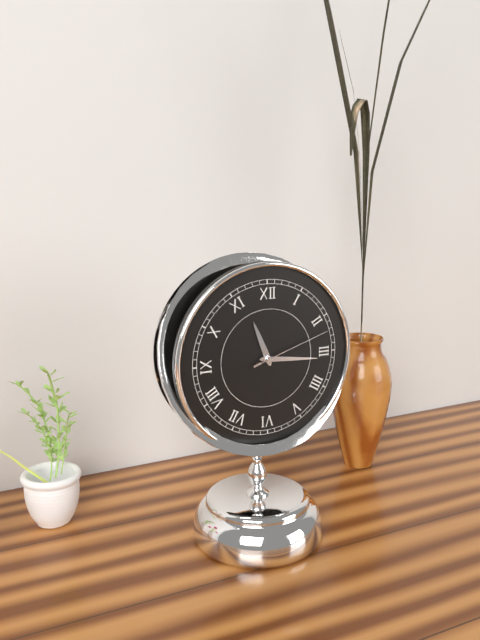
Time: **11:16:12**
